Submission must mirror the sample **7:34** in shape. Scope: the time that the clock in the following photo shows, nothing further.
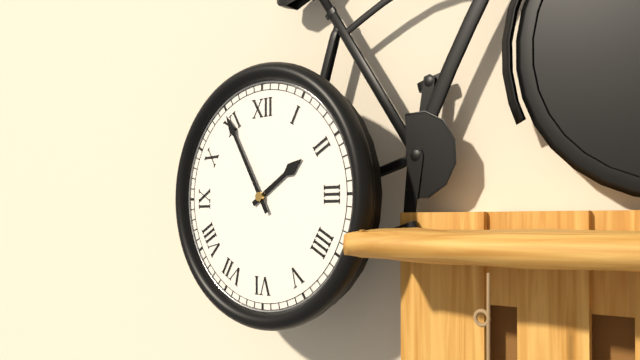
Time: **1:55**
